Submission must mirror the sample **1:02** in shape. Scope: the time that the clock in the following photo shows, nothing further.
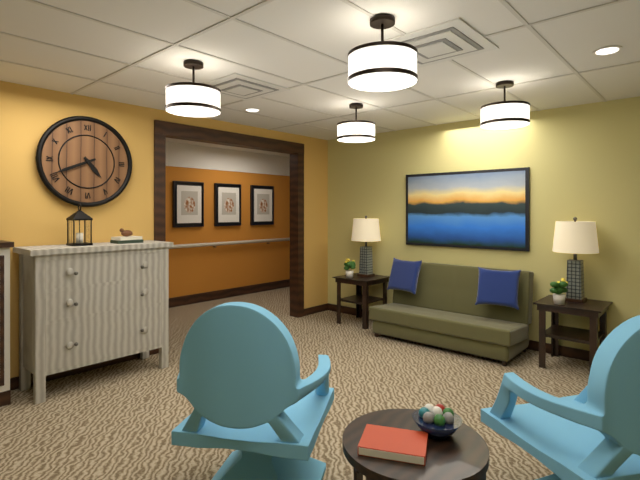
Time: **4:41**
